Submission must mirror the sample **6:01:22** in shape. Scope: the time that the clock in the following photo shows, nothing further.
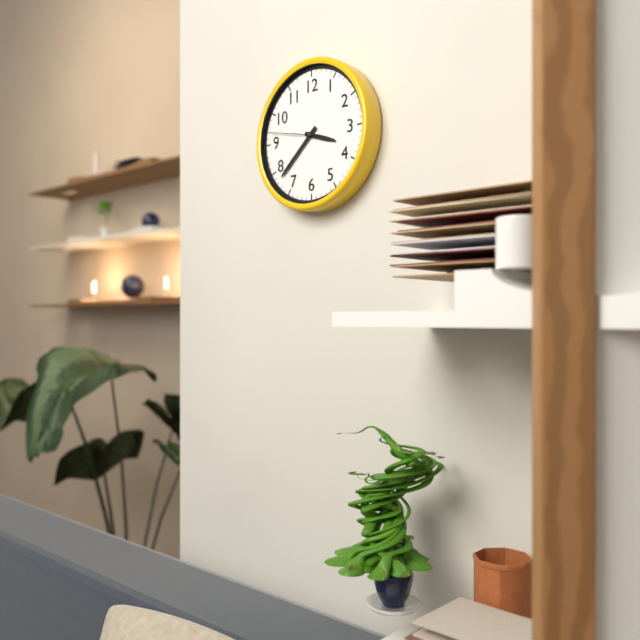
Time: **3:38:47**
